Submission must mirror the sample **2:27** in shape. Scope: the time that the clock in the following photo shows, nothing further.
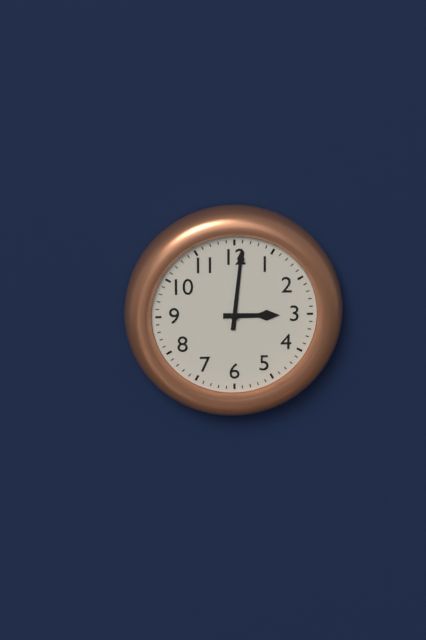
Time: **3:01**
